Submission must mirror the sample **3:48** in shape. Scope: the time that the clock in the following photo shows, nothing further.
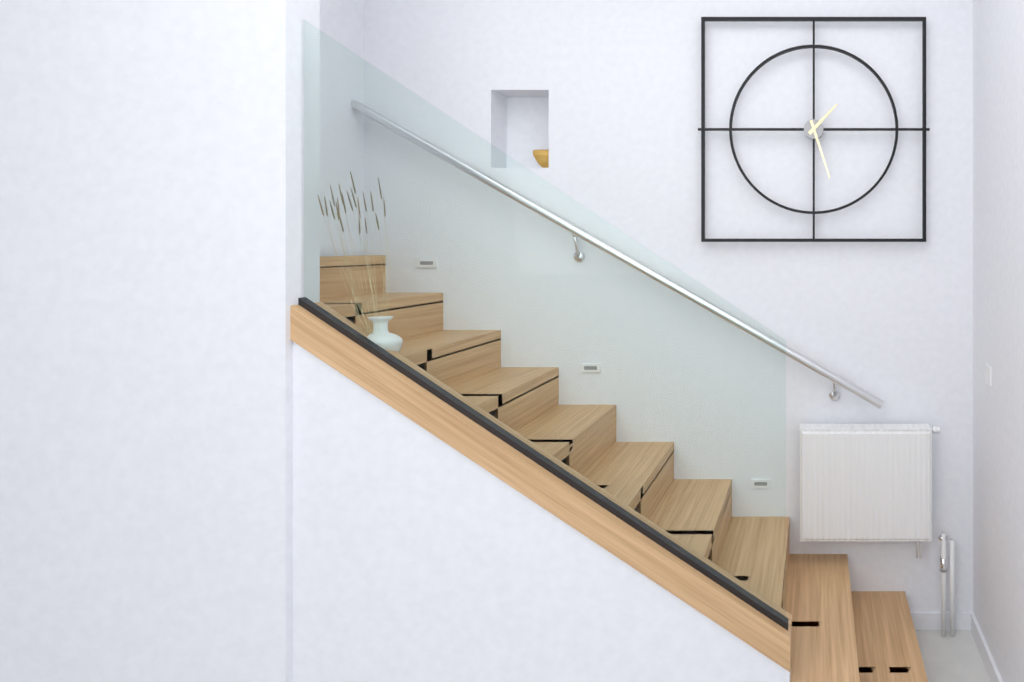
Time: **1:27**
